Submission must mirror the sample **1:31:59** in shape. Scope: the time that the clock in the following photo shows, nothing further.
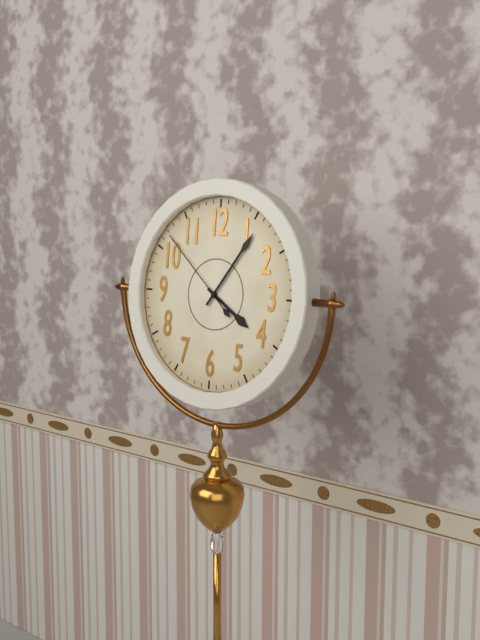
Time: **4:06:52**
